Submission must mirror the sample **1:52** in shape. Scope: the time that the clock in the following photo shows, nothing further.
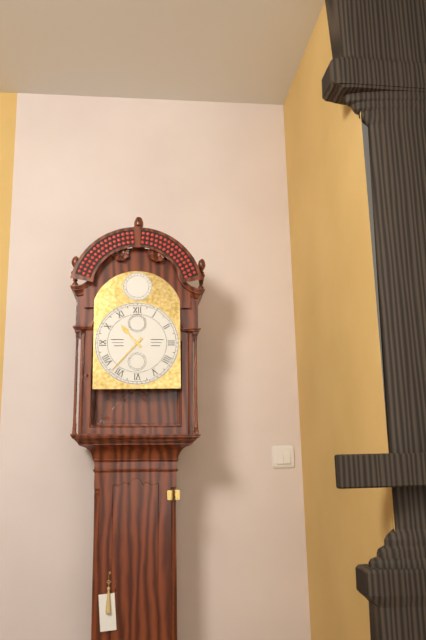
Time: **10:37**
